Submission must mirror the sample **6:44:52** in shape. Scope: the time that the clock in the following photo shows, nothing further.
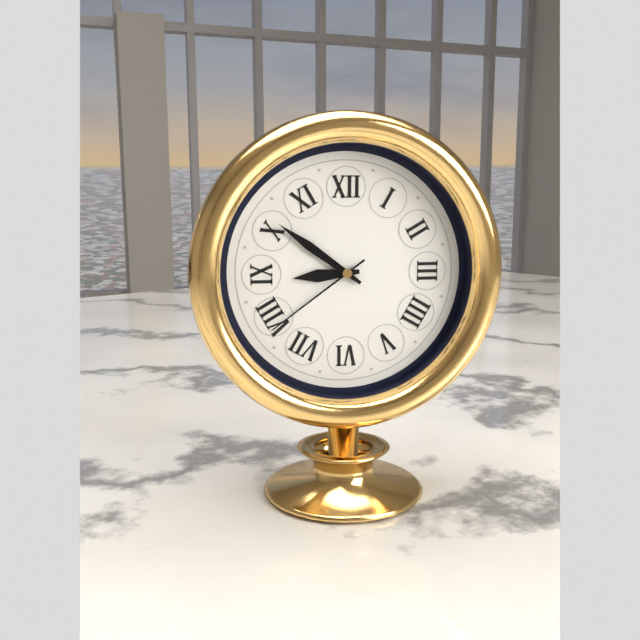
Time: **8:51:39**
